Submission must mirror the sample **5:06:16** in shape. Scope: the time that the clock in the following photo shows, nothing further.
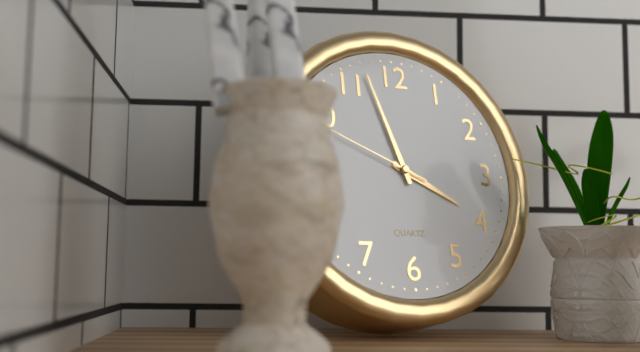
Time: **3:57:49**
